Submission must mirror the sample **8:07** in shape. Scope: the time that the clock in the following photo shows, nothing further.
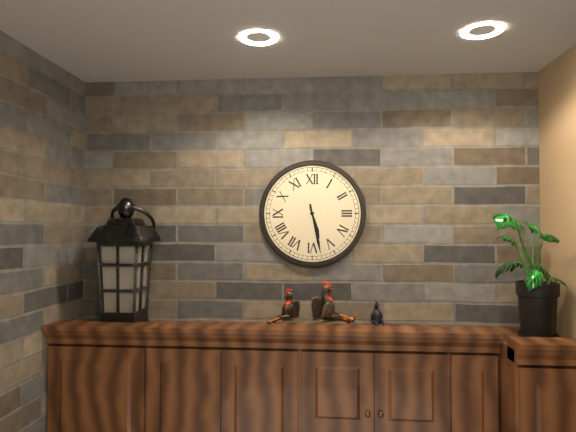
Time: **5:28**
